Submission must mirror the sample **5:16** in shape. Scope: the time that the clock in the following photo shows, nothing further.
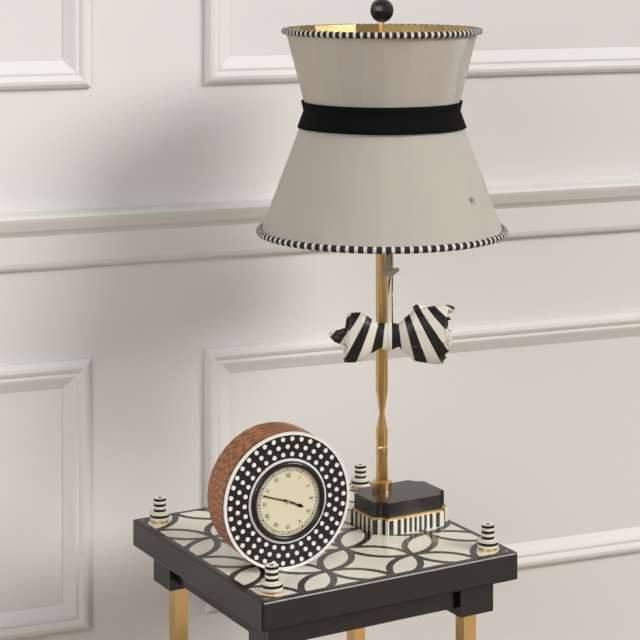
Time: **3:48**
